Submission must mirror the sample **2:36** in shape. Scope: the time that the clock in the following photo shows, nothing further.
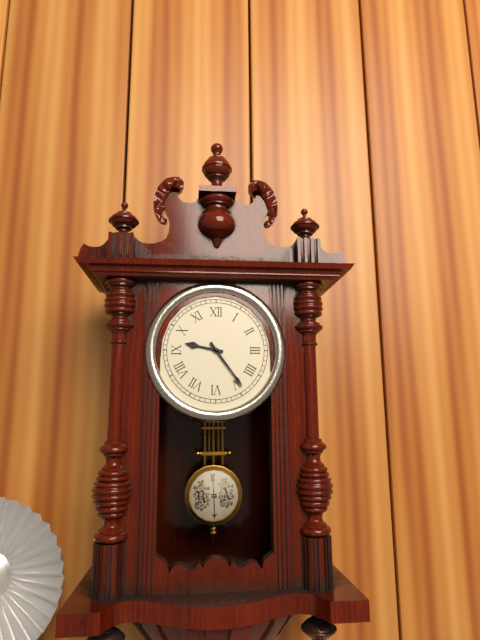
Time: **9:24**
